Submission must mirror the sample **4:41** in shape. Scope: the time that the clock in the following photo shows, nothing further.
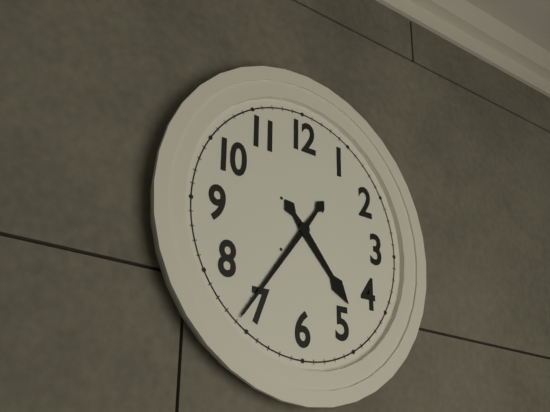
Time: **4:36**
